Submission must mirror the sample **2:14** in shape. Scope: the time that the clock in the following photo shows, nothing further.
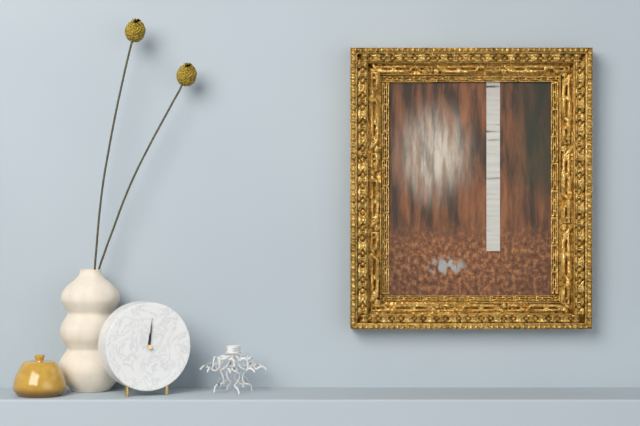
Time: **12:01**
